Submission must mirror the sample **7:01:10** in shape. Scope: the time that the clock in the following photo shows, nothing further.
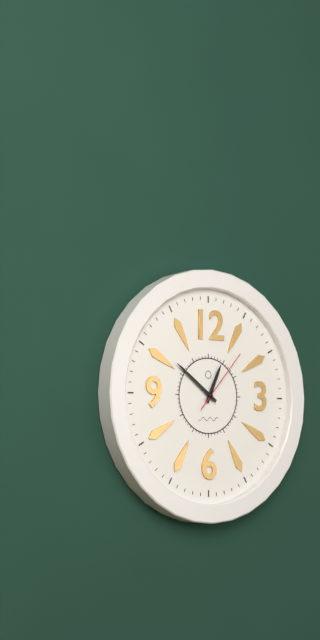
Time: **12:51:07**
